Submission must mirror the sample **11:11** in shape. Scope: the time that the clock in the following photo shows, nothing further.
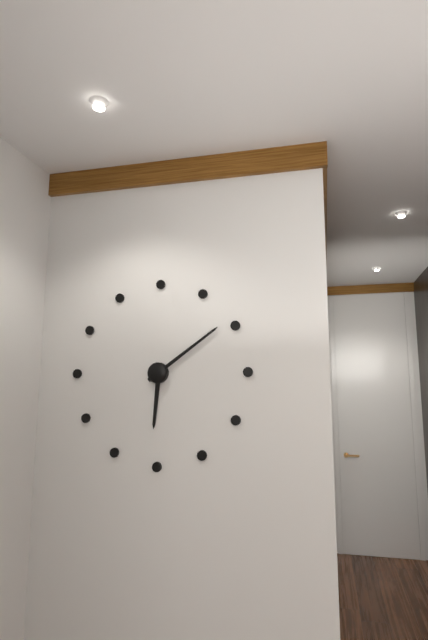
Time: **6:09**
